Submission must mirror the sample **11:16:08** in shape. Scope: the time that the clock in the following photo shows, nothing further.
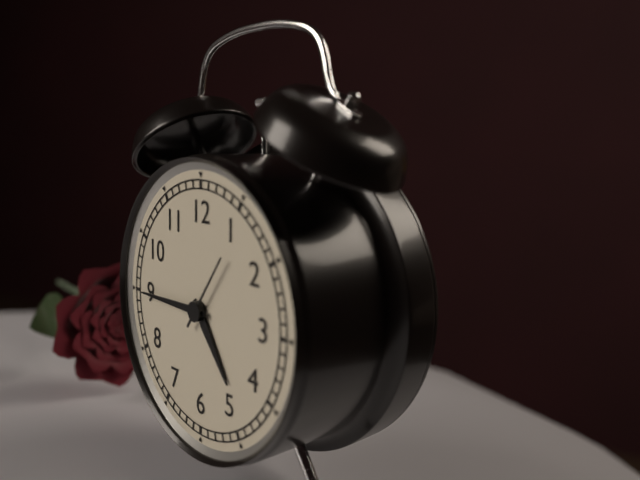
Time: **4:45:06**
